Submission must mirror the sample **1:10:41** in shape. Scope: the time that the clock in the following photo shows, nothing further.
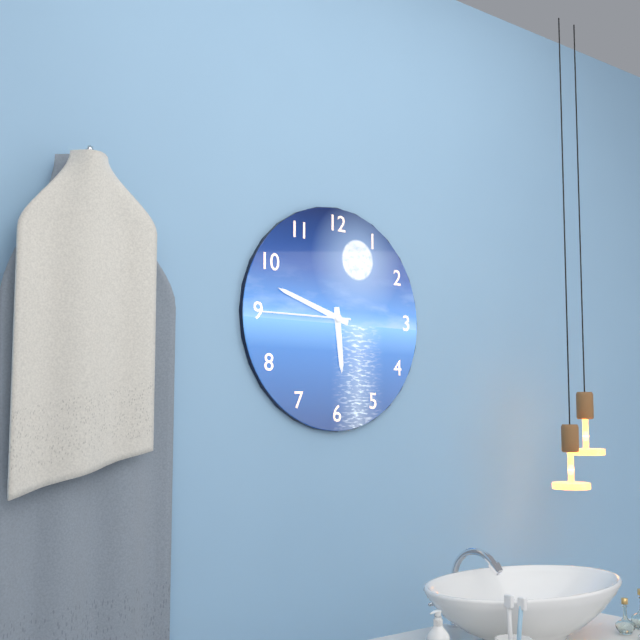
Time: **5:48:45**
